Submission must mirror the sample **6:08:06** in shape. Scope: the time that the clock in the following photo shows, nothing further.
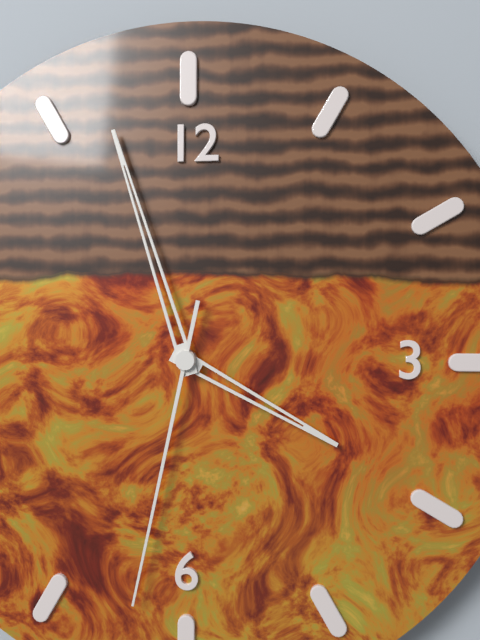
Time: **3:57:32**
